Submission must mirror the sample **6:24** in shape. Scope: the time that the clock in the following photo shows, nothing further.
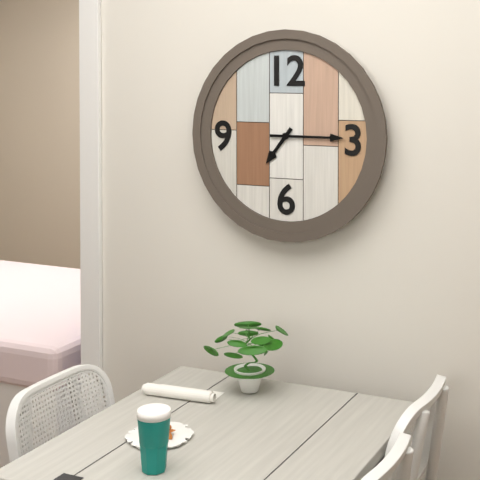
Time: **7:15**
